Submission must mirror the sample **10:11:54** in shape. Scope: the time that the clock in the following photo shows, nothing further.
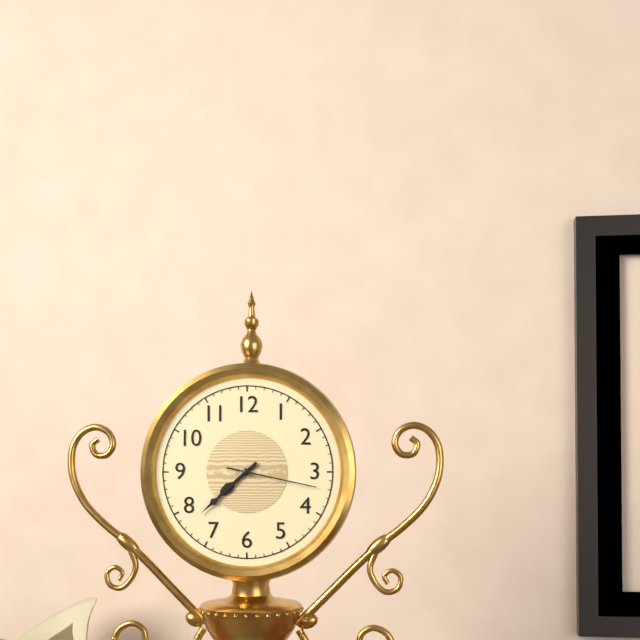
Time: **7:38:17**
